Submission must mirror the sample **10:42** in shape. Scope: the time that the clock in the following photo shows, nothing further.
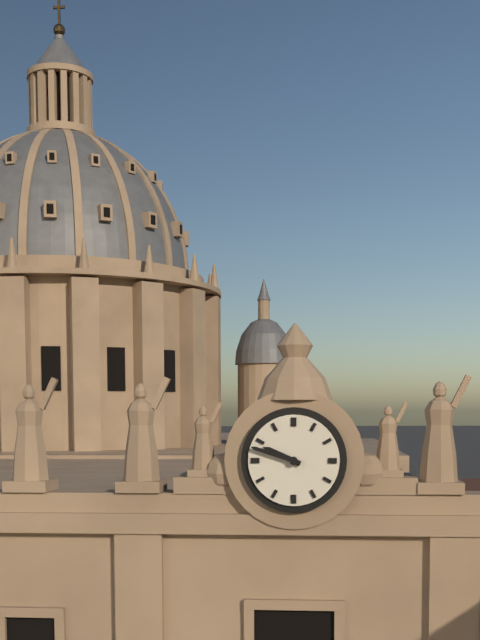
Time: **9:48**
